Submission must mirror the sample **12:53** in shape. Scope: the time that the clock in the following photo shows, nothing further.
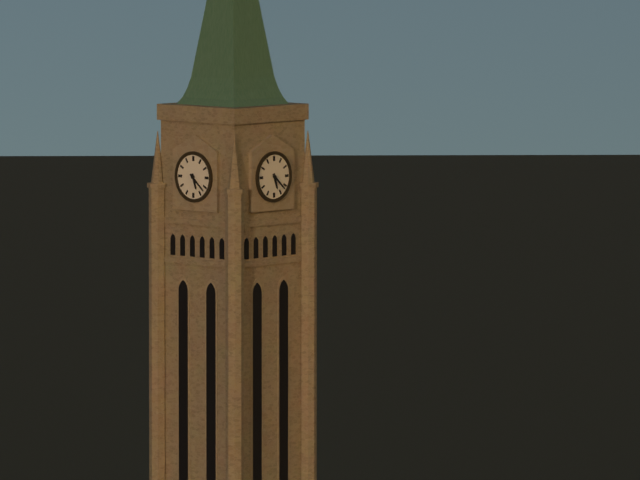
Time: **5:22**
